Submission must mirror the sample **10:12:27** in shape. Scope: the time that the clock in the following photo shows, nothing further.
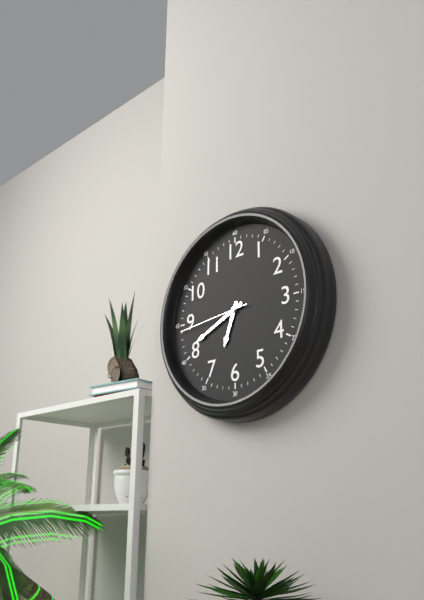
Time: **6:41:44**
